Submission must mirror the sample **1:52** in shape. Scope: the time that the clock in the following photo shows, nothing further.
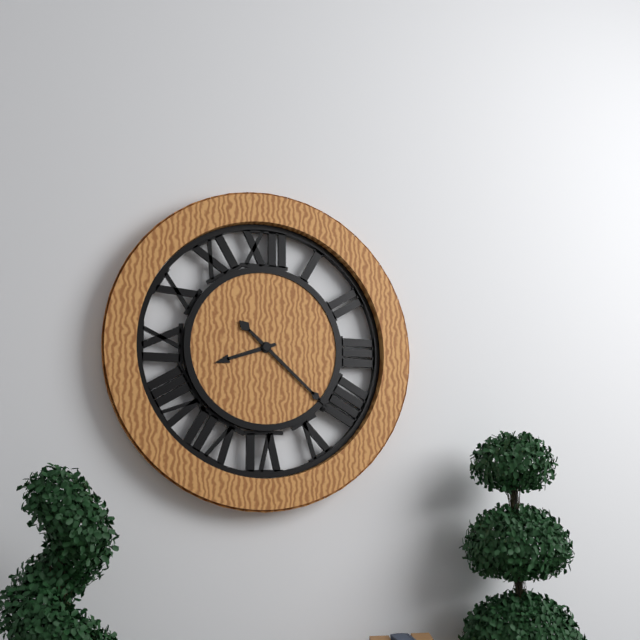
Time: **8:22**
